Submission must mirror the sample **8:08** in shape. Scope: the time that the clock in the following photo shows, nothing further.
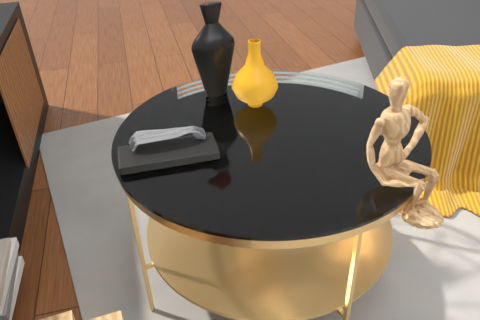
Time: **7:39**
